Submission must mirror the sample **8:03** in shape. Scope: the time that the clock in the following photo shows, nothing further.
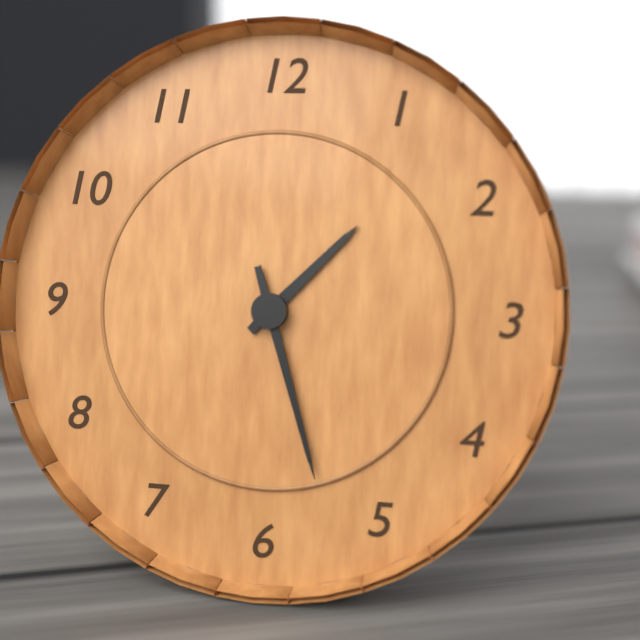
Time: **1:27**
